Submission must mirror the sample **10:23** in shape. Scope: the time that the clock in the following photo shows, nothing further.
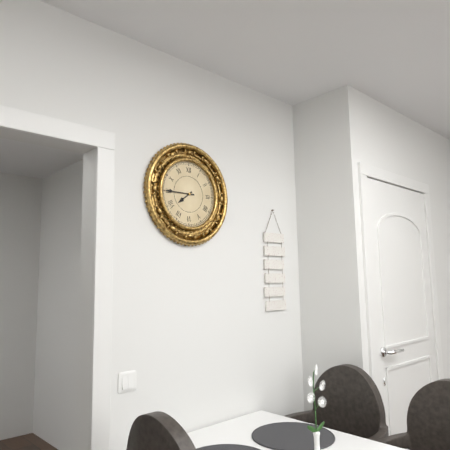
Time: **7:45**
